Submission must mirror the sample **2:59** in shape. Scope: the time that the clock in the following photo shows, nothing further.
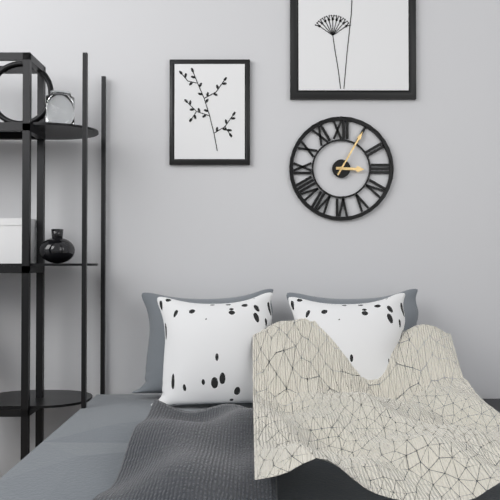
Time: **3:05**
